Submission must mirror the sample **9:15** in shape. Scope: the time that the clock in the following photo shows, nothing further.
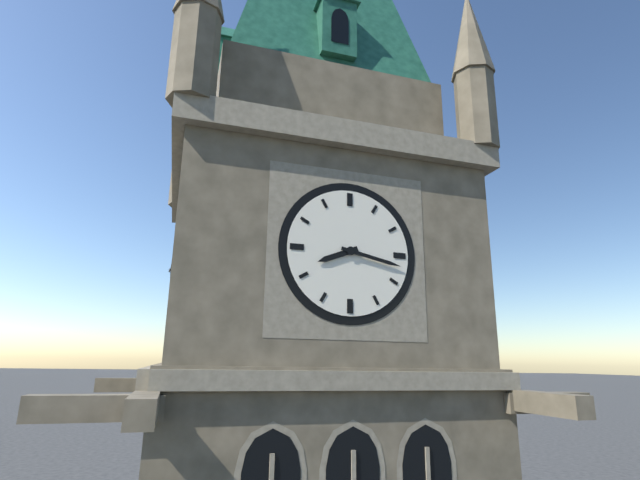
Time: **8:17**
